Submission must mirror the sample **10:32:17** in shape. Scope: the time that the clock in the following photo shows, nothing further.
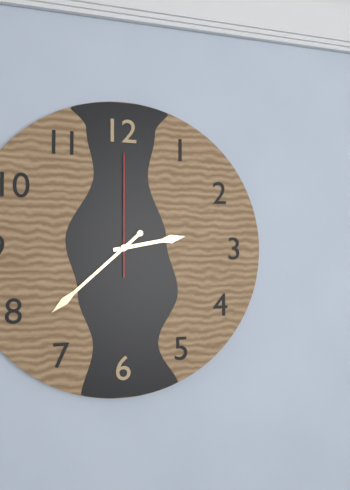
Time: **2:38:00**
